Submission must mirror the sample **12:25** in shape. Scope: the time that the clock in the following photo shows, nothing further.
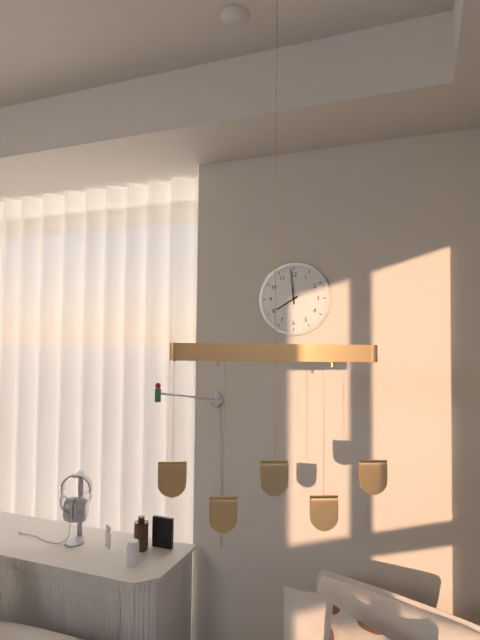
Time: **7:59**
